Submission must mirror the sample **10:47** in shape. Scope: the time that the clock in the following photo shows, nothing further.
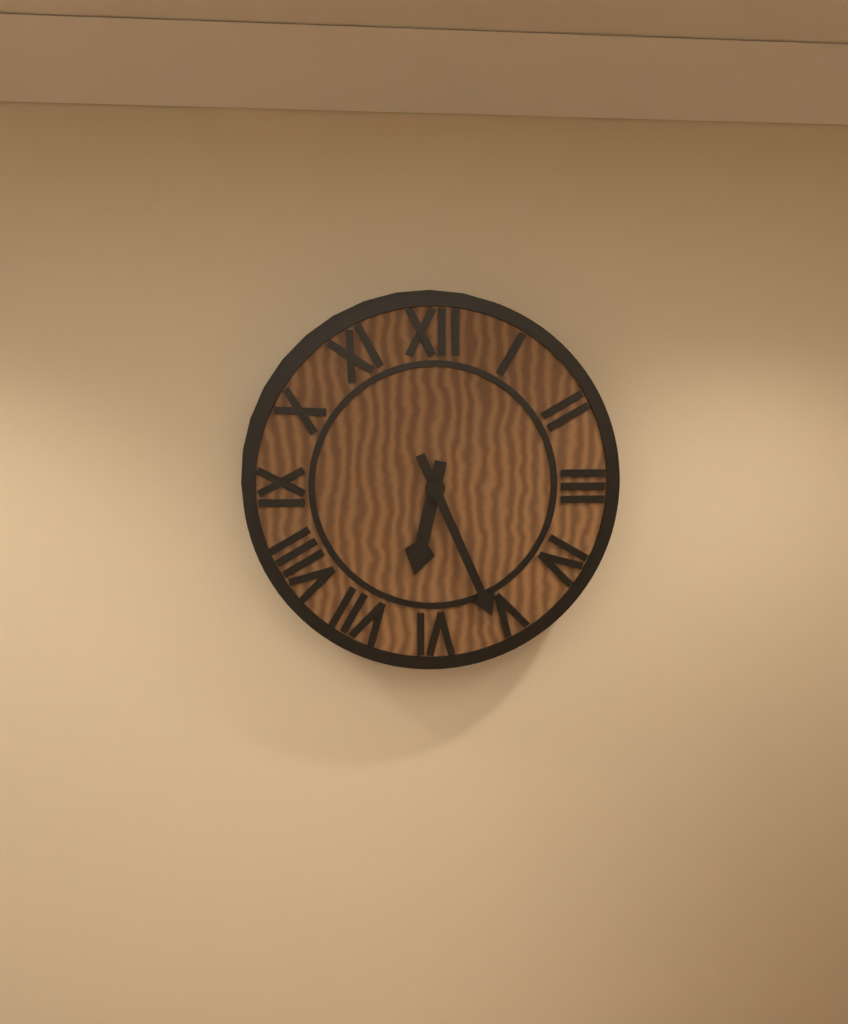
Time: **6:26**
